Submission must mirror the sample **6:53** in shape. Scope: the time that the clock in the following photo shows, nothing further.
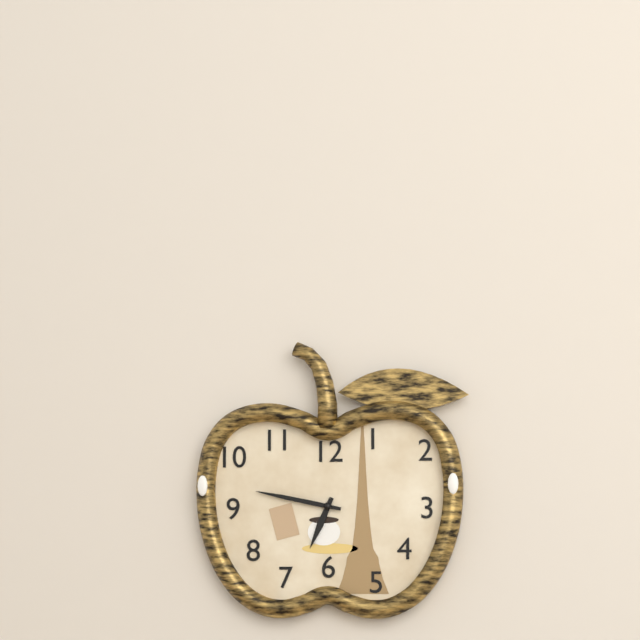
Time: **6:47**
